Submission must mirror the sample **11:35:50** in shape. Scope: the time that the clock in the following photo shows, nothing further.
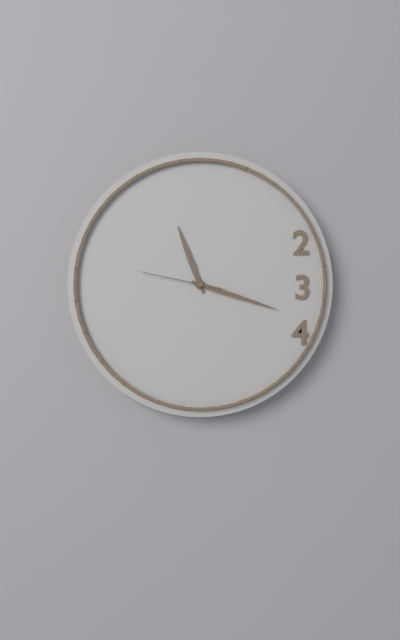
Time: **11:18:47**
